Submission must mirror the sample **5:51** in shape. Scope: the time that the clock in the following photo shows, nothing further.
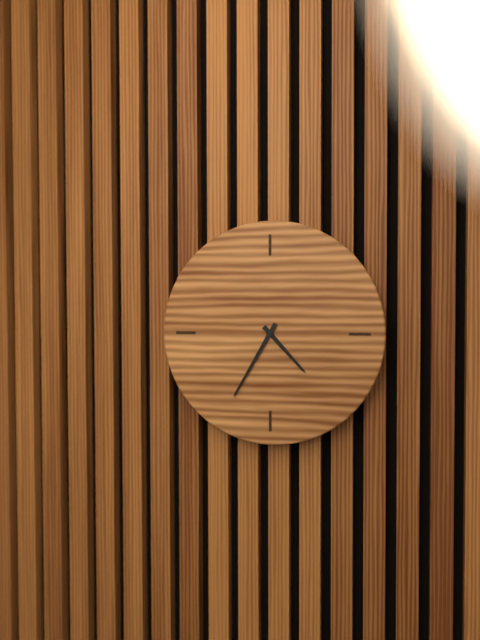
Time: **4:35**
